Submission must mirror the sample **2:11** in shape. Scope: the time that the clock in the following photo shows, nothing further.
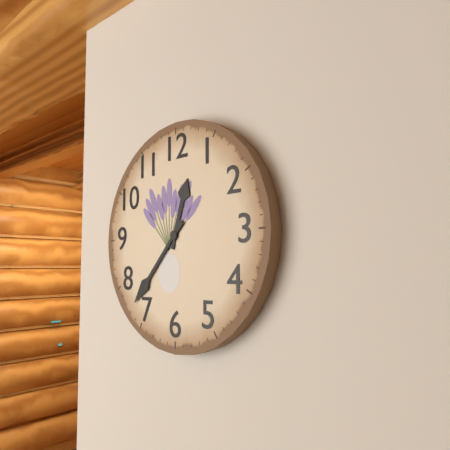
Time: **12:37**
